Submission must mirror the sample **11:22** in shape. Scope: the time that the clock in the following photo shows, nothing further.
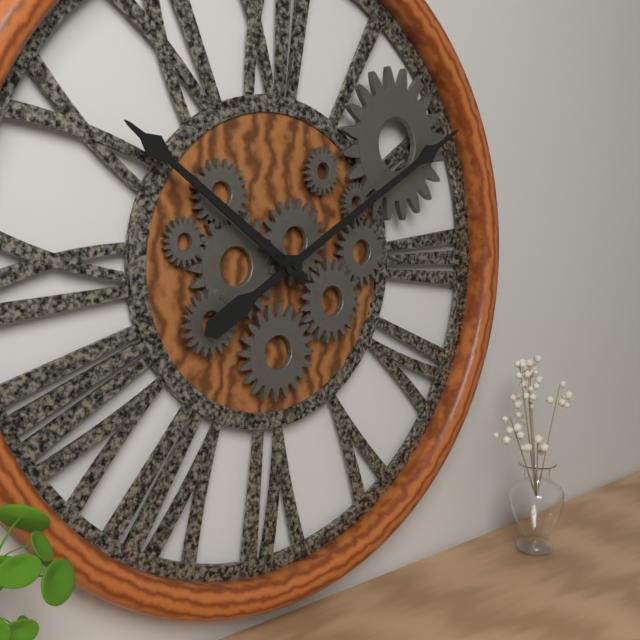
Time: **10:10**
